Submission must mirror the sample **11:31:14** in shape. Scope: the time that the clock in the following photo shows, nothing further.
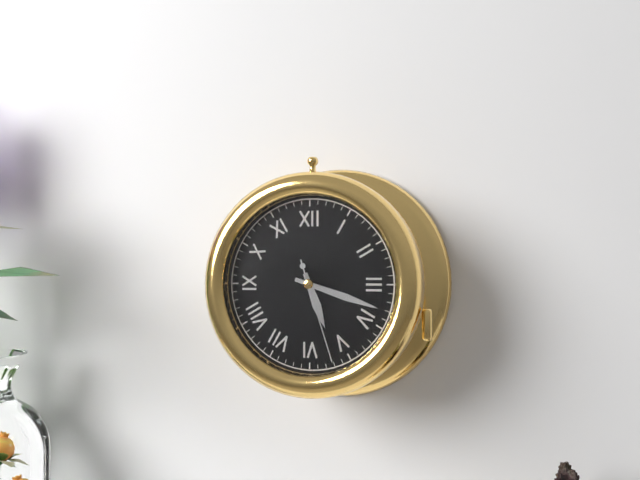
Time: **5:18:27**
